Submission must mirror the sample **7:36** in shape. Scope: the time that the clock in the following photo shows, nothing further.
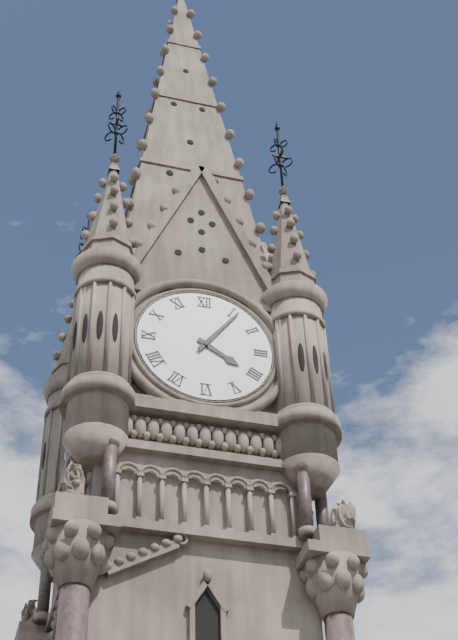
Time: **4:06**
